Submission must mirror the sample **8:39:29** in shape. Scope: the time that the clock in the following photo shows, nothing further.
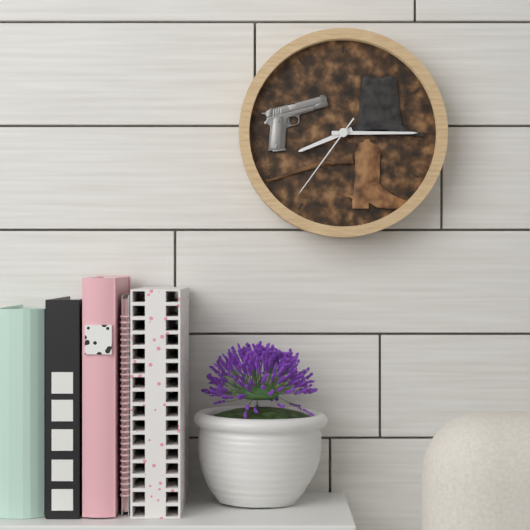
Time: **8:15:36**
